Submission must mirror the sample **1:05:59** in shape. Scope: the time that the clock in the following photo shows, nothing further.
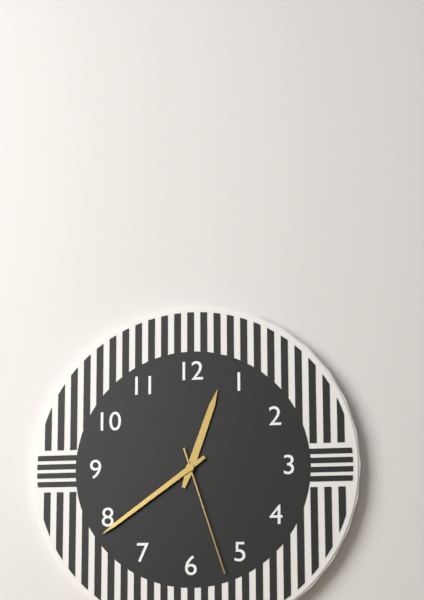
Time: **12:39:27**
